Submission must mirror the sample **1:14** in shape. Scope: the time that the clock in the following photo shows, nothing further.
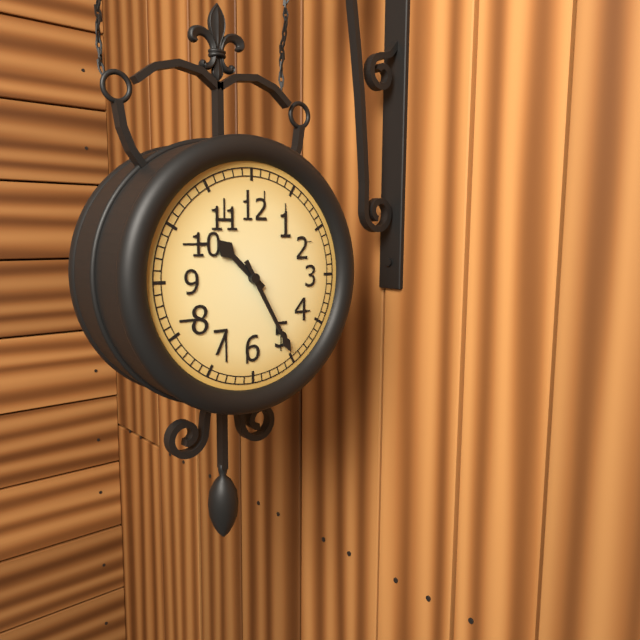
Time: **10:25**
